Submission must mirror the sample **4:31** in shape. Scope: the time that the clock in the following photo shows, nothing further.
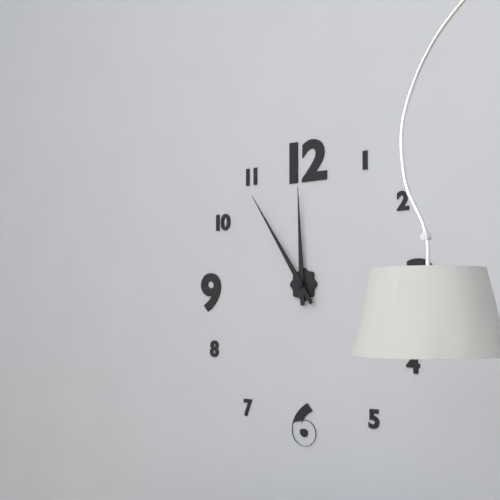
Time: **11:54**
